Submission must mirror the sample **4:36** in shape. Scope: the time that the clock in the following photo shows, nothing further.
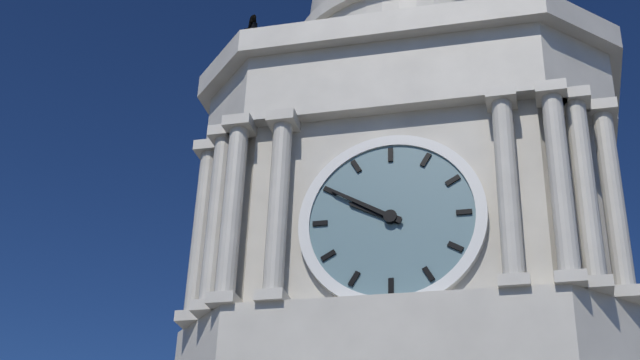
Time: **9:50**
